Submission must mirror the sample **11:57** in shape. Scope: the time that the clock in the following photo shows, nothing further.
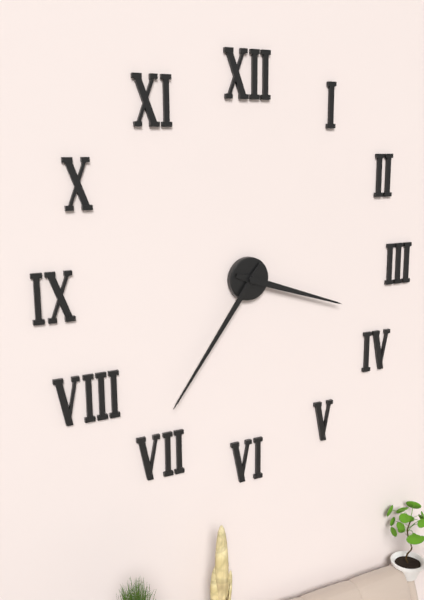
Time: **3:36**
